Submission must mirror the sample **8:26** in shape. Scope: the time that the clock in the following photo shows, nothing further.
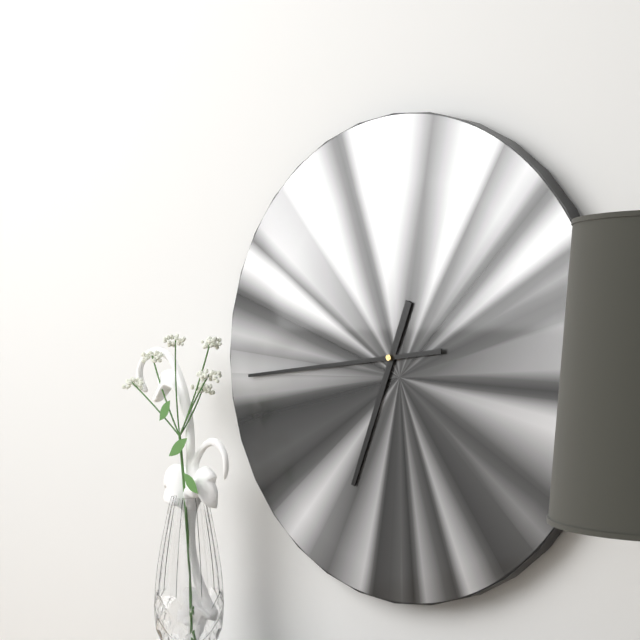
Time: **6:44**
